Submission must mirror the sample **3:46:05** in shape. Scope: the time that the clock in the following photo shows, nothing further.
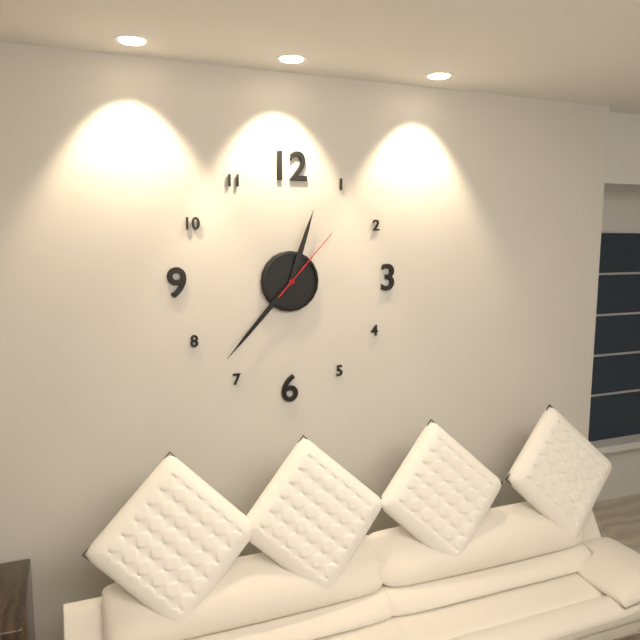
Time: **12:37:07**
